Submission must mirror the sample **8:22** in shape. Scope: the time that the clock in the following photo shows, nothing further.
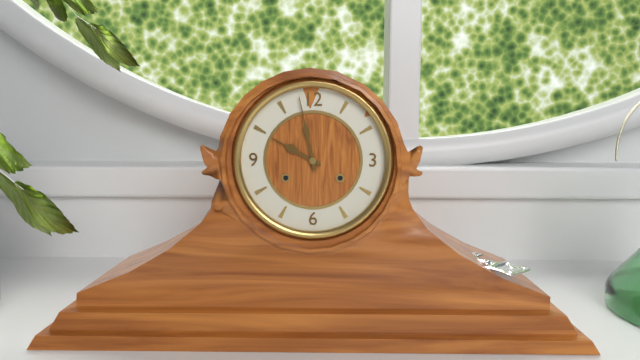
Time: **9:58**
